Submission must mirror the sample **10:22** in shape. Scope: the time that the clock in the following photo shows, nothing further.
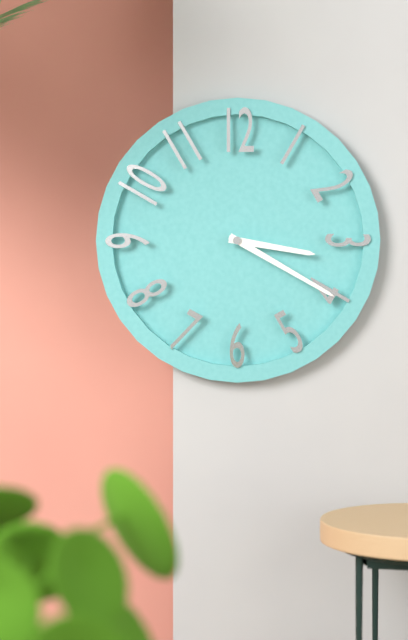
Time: **3:20**
